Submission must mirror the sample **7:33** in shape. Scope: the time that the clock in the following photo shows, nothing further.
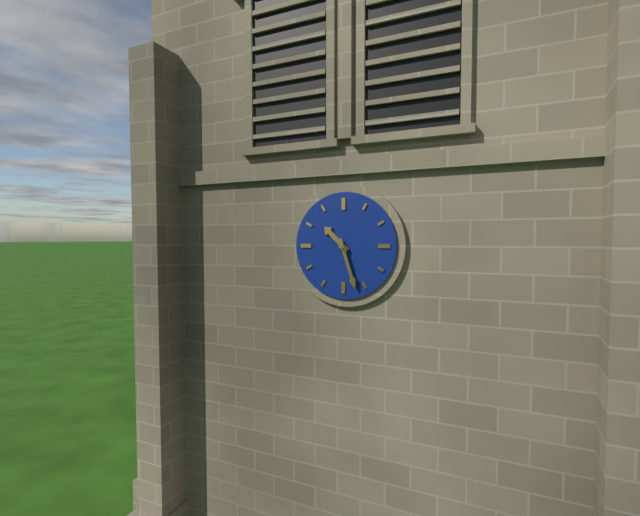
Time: **10:27**
